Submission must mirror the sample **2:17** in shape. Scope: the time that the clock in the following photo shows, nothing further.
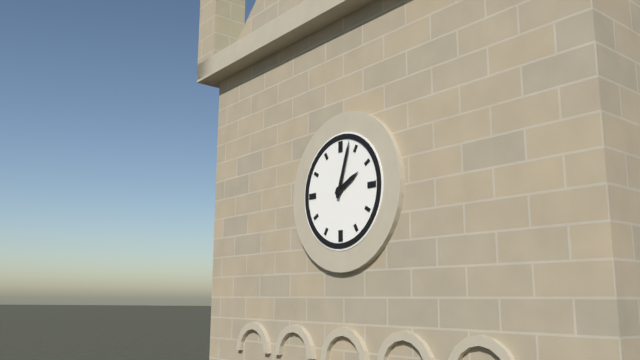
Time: **2:03**
